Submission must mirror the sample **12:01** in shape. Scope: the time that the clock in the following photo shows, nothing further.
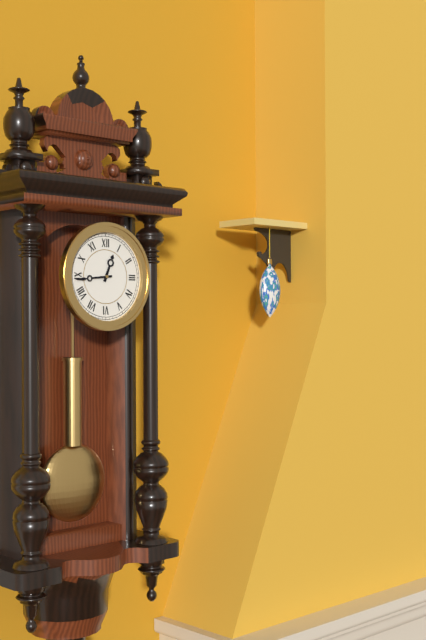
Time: **12:44**
